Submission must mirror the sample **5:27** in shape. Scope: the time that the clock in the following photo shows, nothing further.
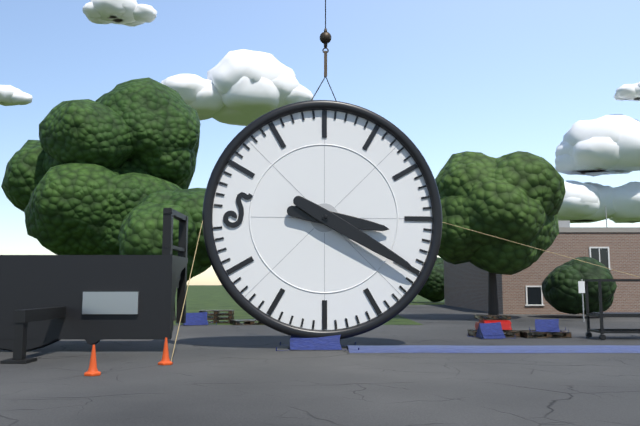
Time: **3:20**
